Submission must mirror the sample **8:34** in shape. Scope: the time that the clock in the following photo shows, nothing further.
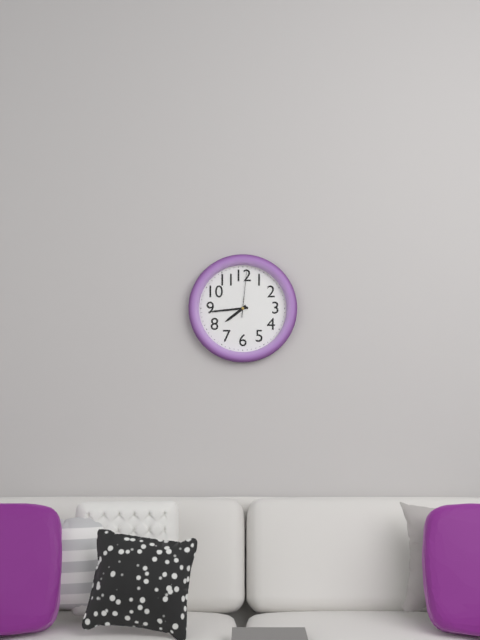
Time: **7:44**
